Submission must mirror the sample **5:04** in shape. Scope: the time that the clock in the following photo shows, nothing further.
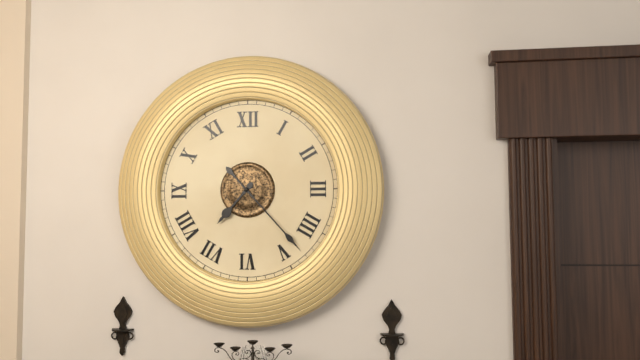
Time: **7:23**
